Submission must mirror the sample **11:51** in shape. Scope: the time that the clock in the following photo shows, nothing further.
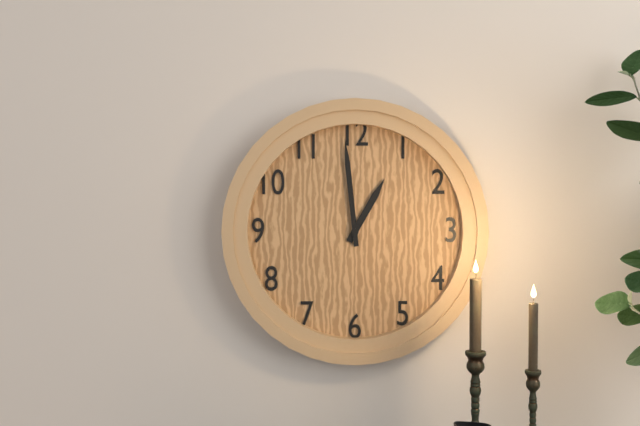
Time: **12:59**
